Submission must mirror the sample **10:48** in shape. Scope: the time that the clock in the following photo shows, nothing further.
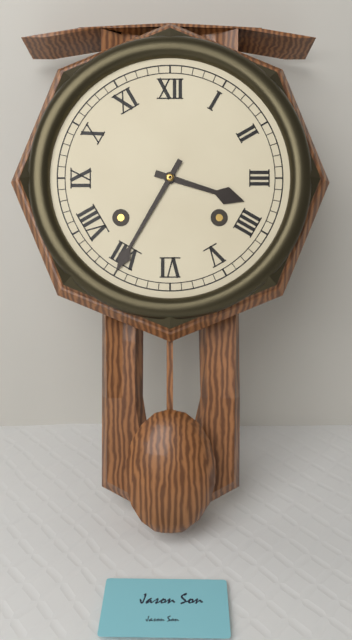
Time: **3:35**
